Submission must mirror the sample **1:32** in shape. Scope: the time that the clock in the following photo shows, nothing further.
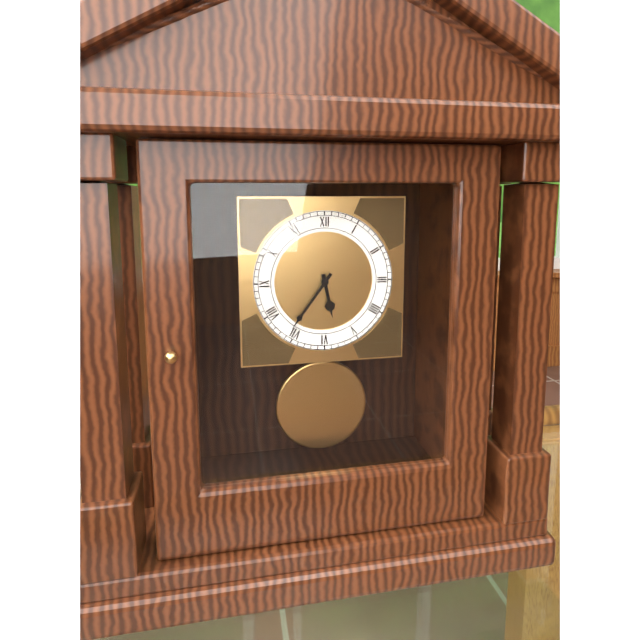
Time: **5:36**
